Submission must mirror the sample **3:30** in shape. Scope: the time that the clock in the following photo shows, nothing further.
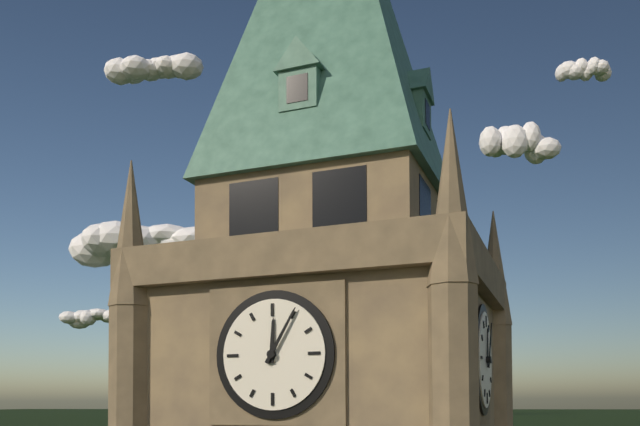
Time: **12:05**
